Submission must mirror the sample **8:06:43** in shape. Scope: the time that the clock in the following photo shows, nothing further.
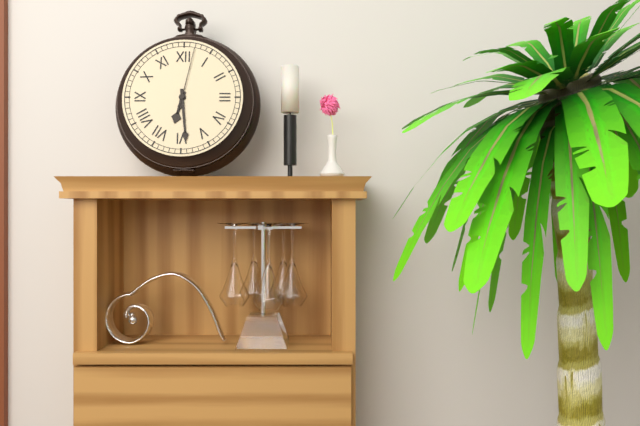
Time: **6:29:02**
